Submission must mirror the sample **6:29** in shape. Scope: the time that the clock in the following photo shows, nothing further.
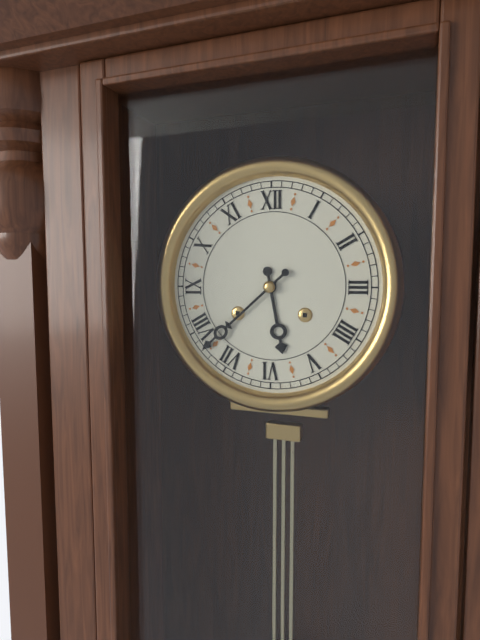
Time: **5:38**
